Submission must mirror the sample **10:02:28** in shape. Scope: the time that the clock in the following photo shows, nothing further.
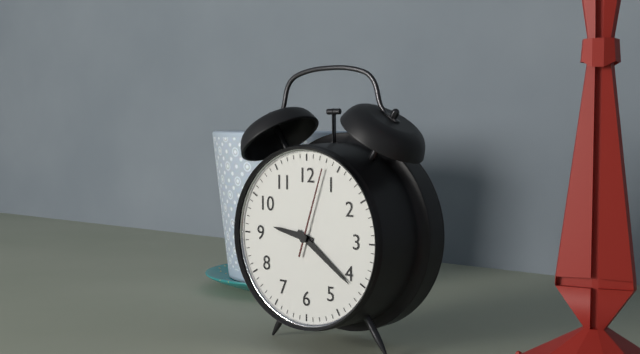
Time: **9:21:03**
